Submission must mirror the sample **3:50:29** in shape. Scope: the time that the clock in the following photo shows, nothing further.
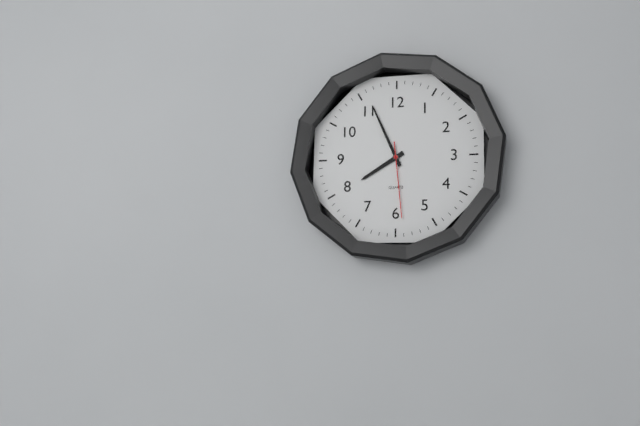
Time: **7:56:29**
